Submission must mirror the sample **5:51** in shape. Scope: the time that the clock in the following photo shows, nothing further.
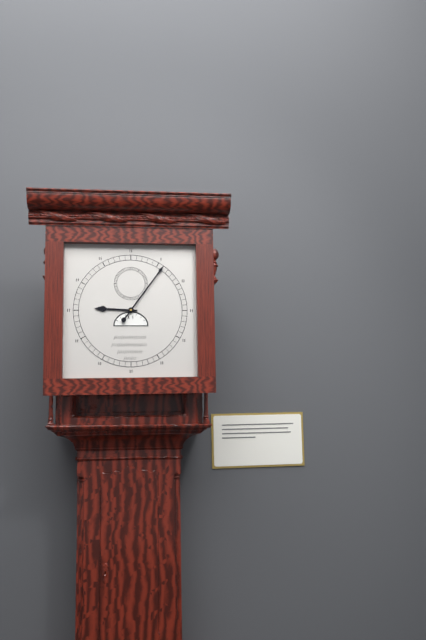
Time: **9:06**
